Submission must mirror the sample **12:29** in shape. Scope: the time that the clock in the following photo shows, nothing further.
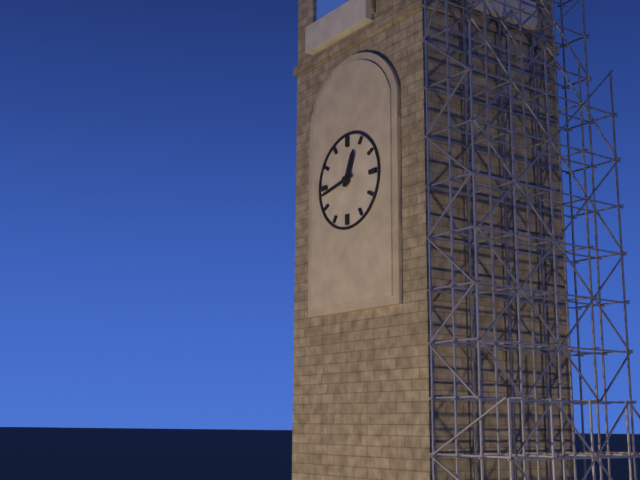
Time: **12:43**
